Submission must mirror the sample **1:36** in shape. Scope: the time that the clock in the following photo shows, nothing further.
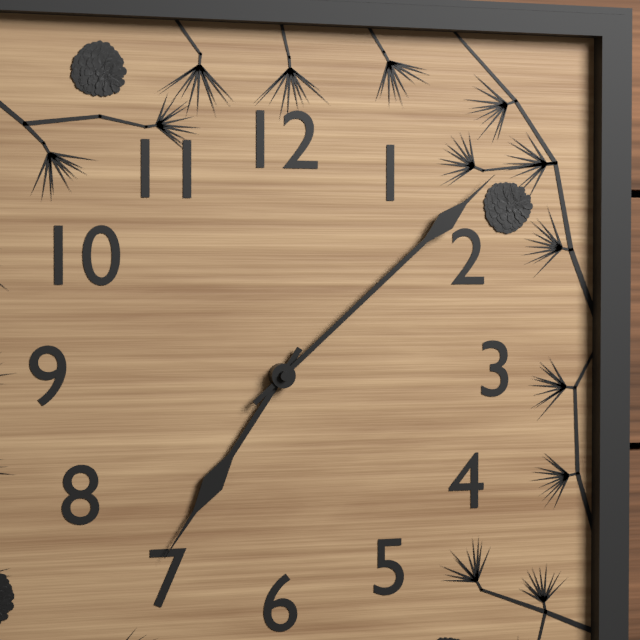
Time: **7:08**
